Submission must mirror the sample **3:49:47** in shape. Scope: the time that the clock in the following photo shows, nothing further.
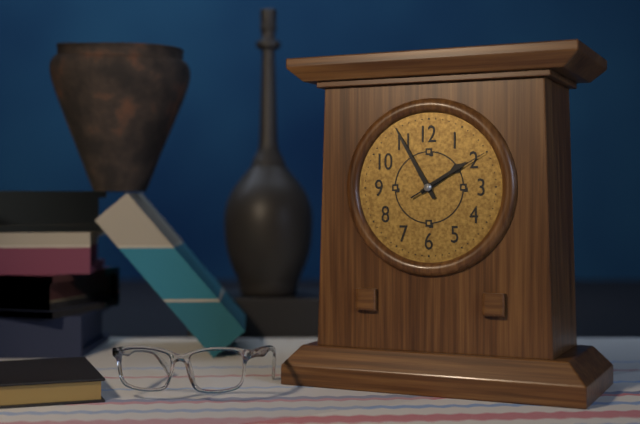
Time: **1:55:10**
